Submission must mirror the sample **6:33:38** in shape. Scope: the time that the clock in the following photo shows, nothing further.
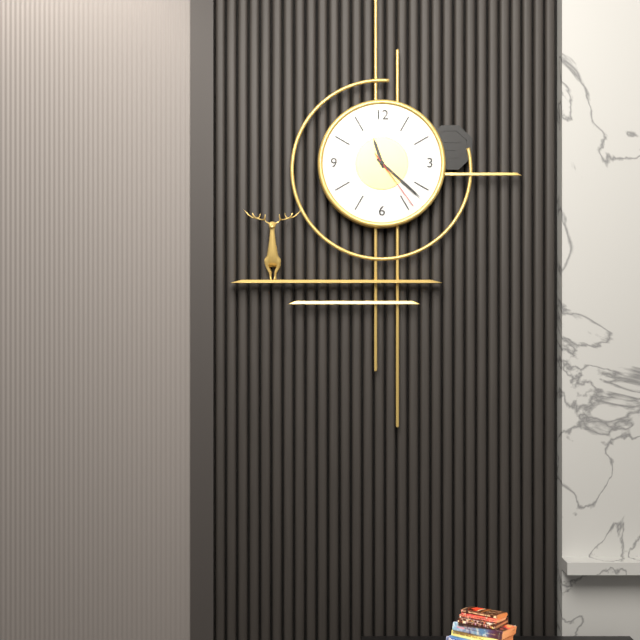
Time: **11:22:24**
